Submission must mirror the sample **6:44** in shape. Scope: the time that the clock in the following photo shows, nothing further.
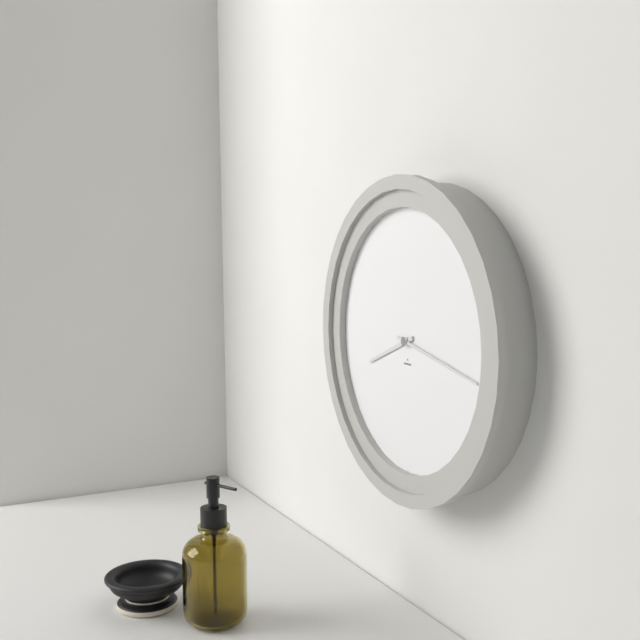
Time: **8:17**
